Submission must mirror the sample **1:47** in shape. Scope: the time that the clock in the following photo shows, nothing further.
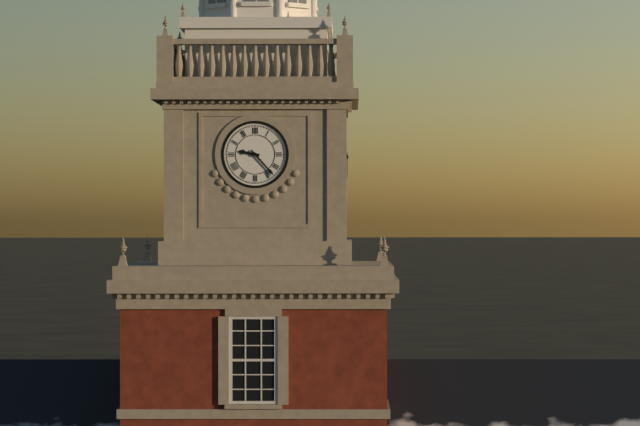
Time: **9:23**
